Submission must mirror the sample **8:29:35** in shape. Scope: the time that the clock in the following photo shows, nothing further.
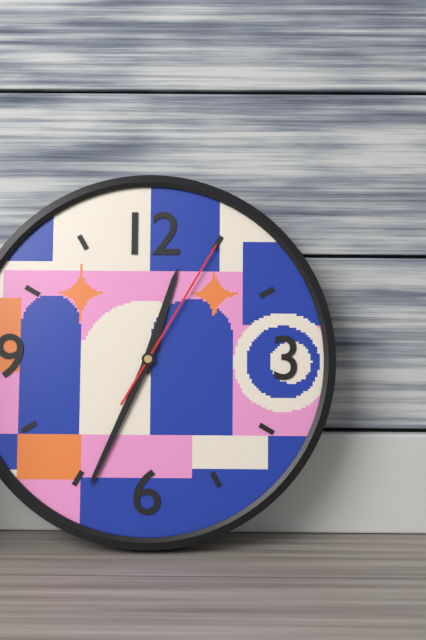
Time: **12:34:05**
